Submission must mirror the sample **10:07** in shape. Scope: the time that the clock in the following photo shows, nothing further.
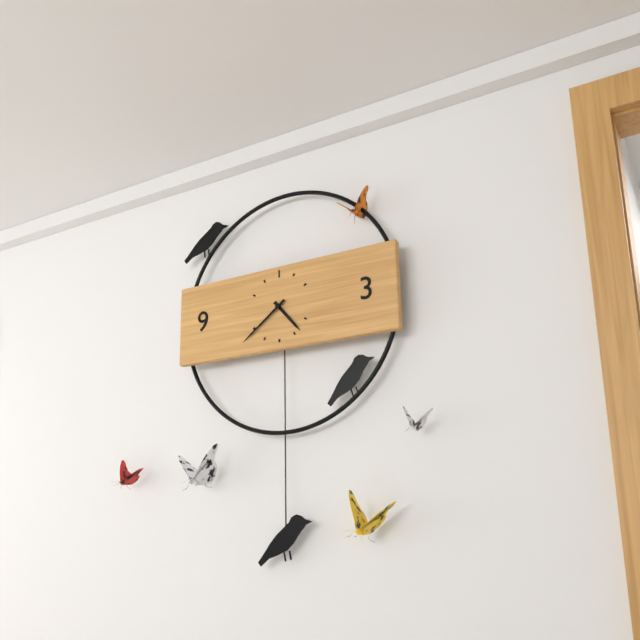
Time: **4:39**
